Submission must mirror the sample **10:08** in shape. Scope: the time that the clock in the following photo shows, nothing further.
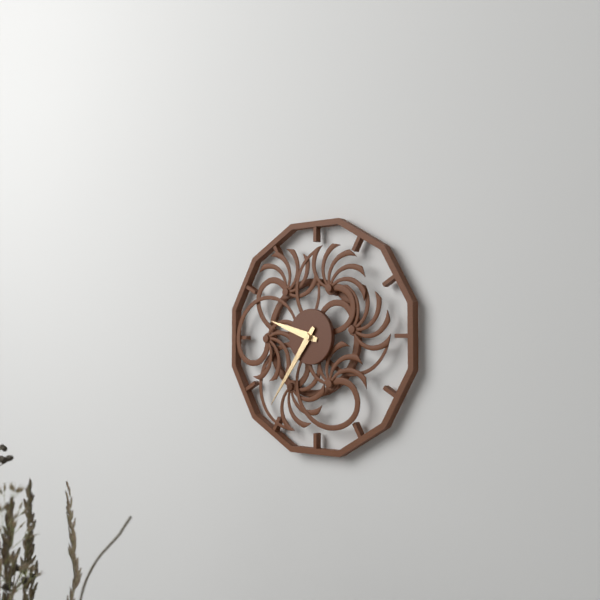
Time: **9:36**
